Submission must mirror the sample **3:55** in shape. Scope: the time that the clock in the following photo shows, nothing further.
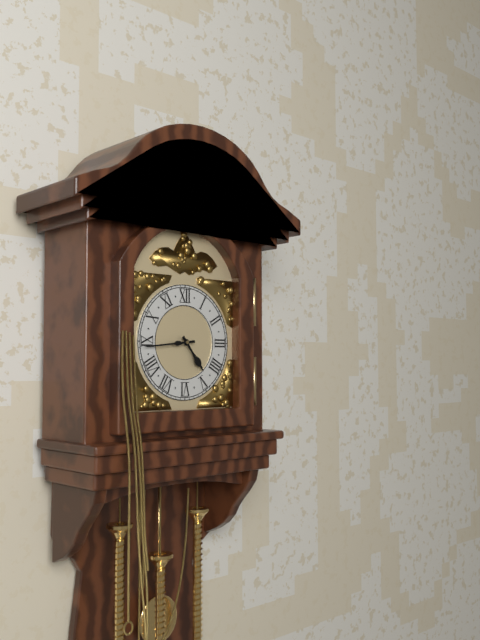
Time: **4:44**
